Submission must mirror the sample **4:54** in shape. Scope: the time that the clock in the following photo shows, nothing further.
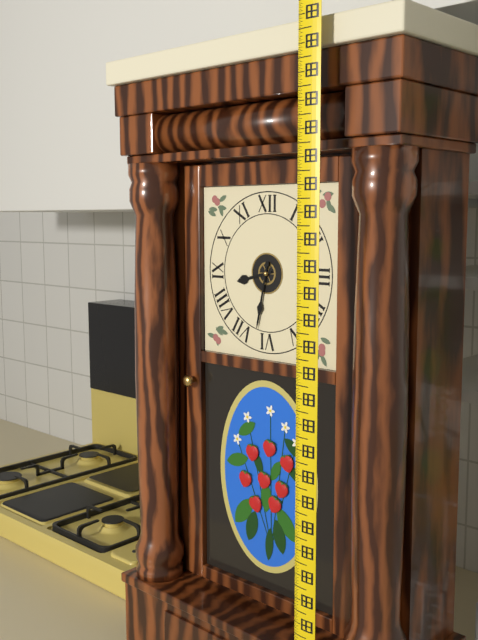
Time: **8:32**
